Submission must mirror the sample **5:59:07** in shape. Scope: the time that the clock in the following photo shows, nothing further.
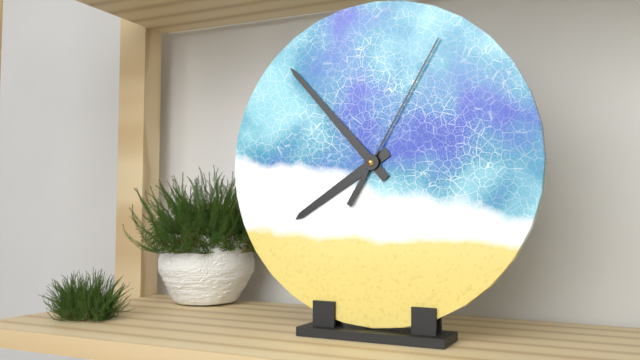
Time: **7:53:05**
